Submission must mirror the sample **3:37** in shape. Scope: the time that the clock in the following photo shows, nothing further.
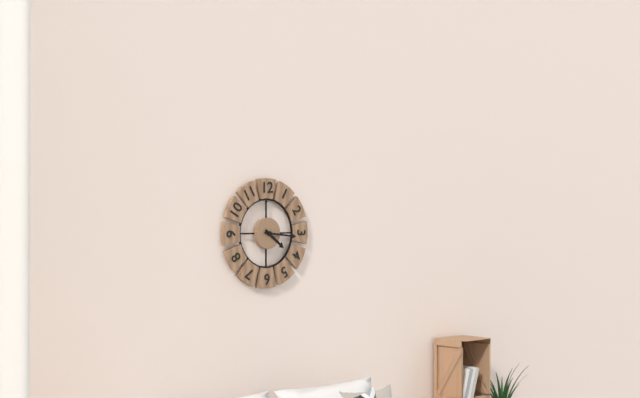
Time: **4:16**
